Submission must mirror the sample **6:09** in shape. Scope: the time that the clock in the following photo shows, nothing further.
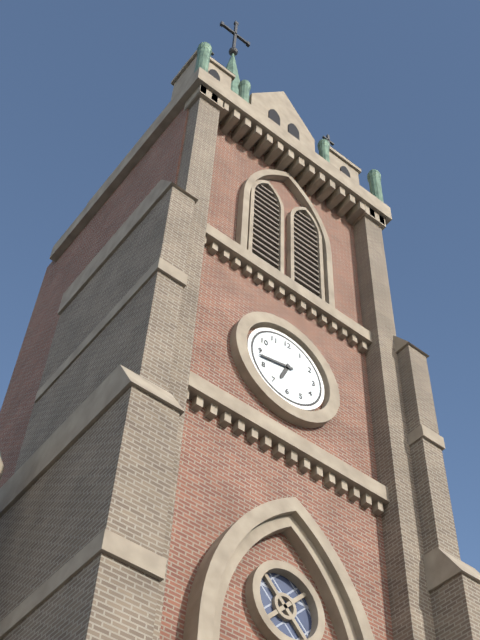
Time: **6:43**
